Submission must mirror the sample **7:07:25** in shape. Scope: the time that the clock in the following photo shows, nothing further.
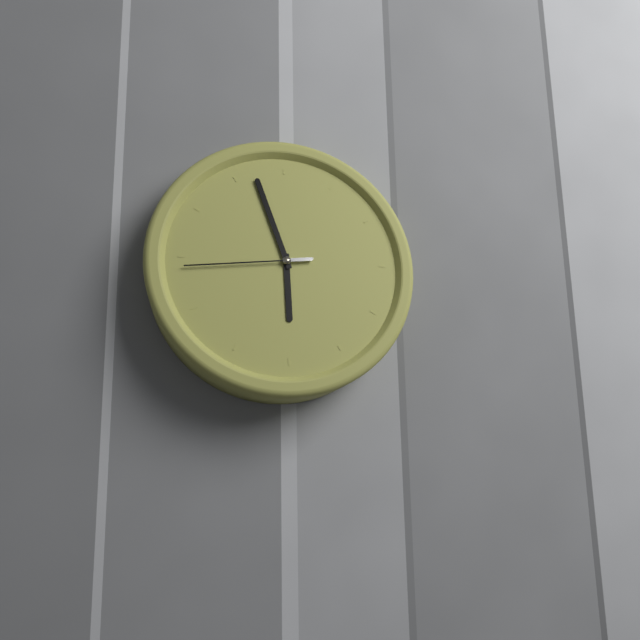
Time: **5:57:44**
